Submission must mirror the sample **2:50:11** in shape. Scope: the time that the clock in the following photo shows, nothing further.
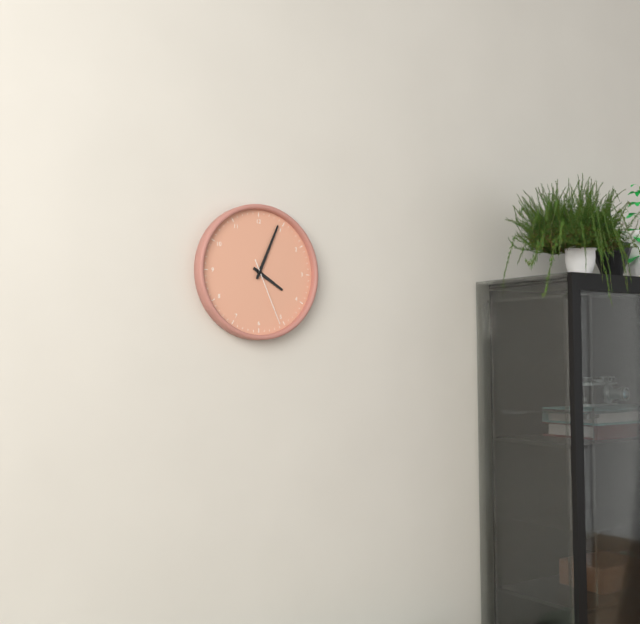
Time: **4:04:26**
